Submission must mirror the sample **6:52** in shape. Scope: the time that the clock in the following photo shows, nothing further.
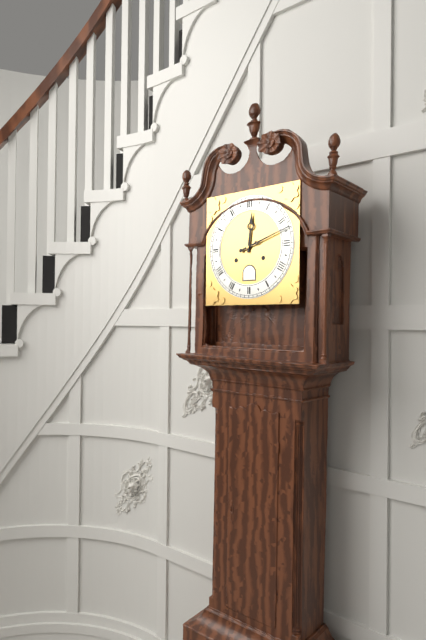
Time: **12:12**
